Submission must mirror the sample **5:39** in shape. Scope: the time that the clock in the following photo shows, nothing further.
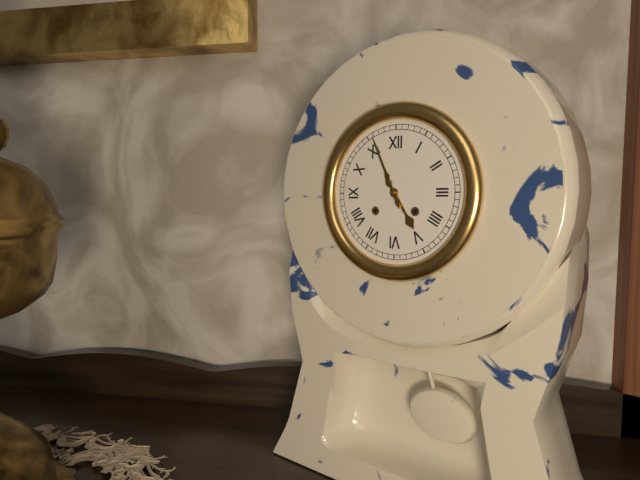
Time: **4:56**
